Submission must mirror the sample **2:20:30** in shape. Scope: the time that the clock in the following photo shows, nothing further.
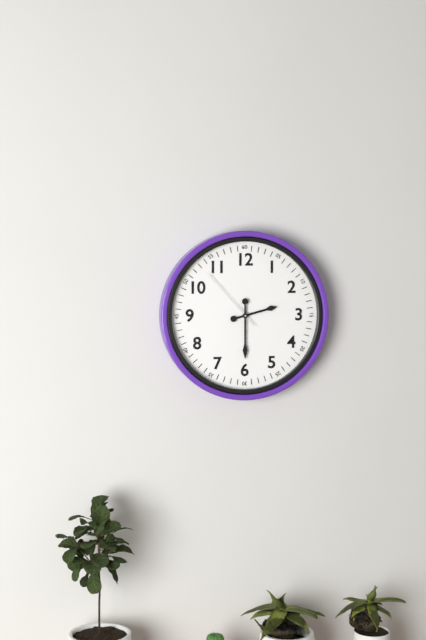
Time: **2:30:53**
